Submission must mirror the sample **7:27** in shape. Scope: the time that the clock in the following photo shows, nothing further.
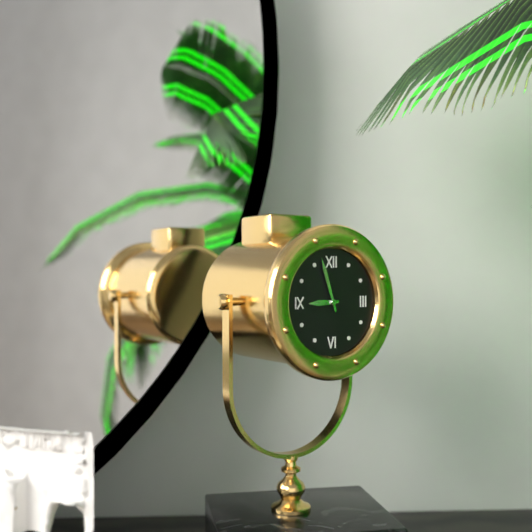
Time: **8:57**
